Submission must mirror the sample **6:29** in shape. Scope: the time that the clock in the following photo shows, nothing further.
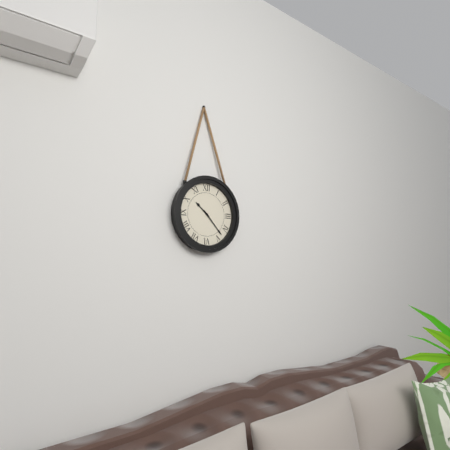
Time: **10:23**
